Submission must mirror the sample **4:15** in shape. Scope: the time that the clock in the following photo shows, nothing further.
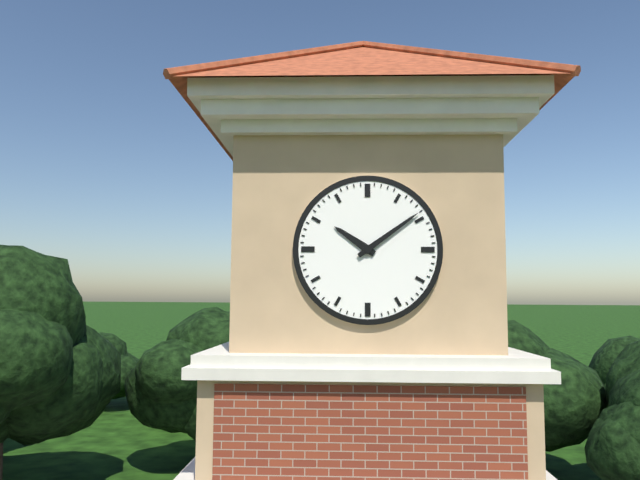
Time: **10:09**
